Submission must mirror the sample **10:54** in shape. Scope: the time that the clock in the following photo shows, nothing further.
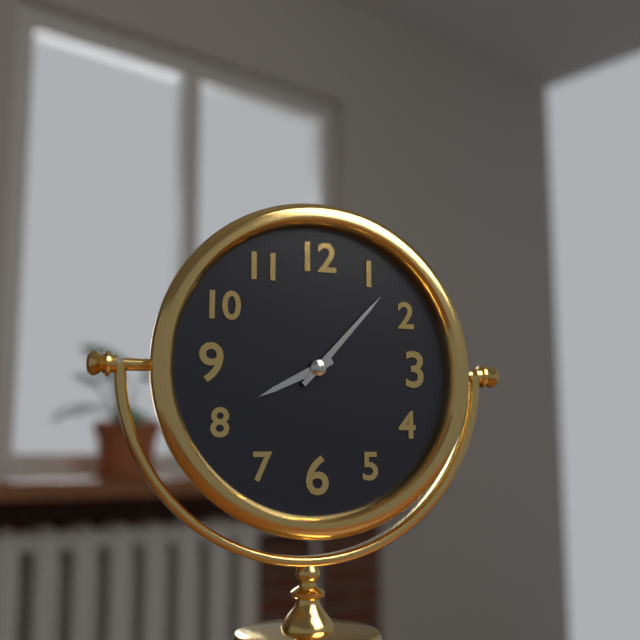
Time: **8:07**
